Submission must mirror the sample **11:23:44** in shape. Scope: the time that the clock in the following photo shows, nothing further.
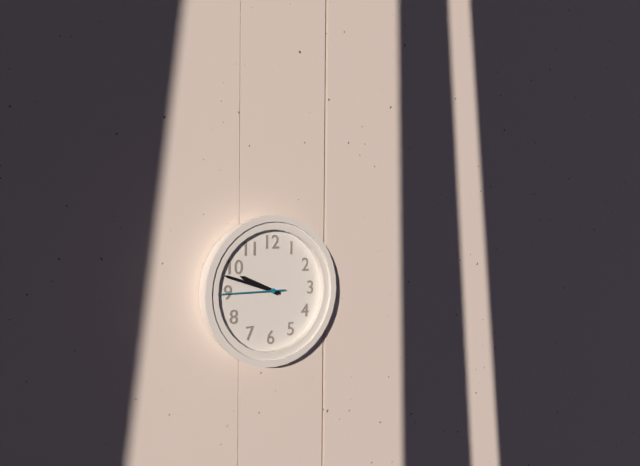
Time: **9:48:45**
